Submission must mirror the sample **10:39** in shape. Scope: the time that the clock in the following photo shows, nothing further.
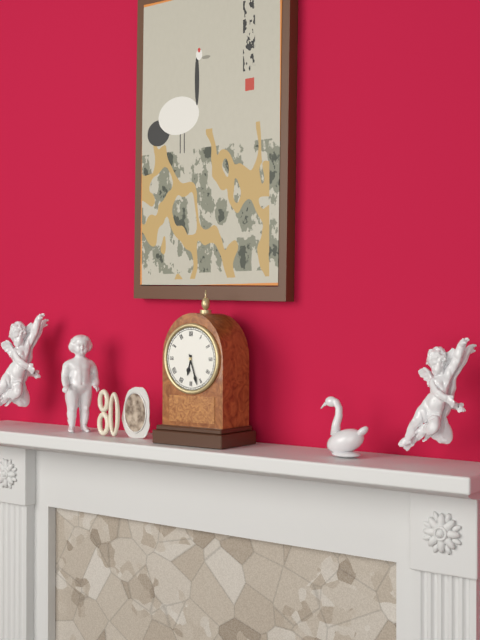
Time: **6:27**
